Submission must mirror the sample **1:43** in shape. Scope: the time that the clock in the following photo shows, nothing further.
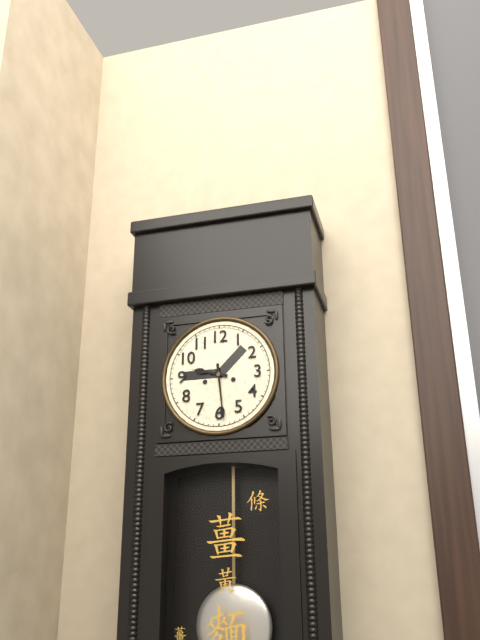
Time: **9:29**
